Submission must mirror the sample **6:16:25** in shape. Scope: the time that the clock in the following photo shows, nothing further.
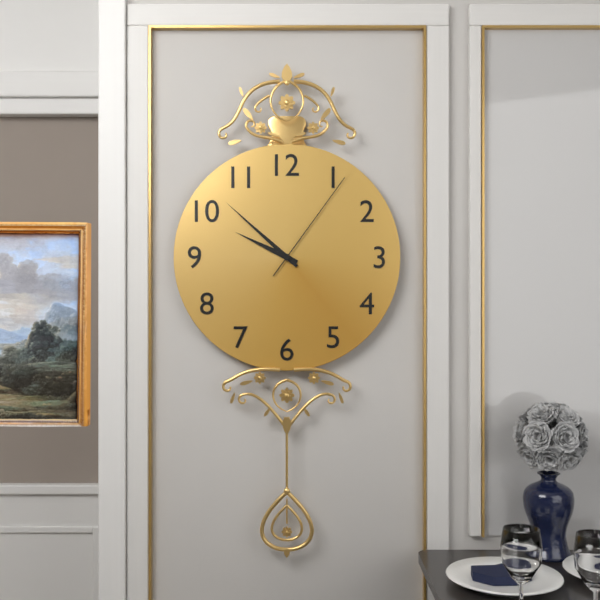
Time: **9:52:06**
